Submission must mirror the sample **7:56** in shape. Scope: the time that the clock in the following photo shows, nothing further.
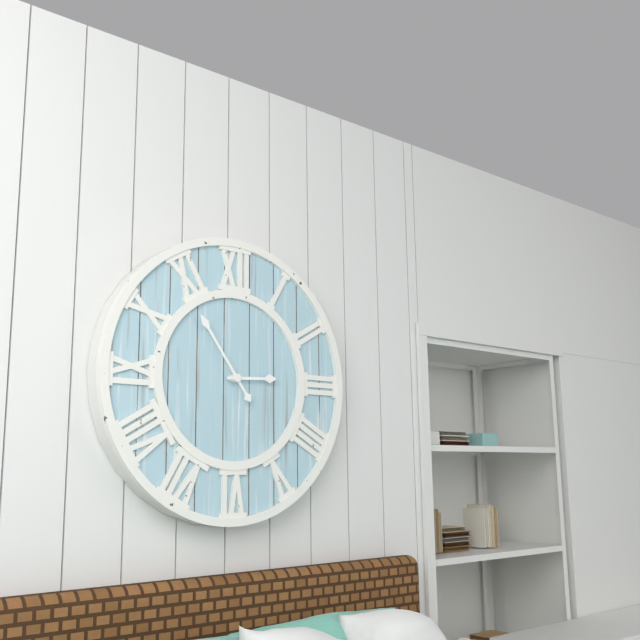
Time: **2:54**
